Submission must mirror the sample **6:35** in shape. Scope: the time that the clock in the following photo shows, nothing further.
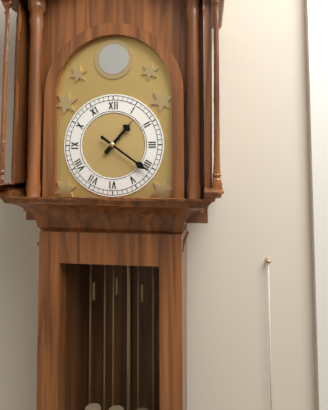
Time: **1:21**
